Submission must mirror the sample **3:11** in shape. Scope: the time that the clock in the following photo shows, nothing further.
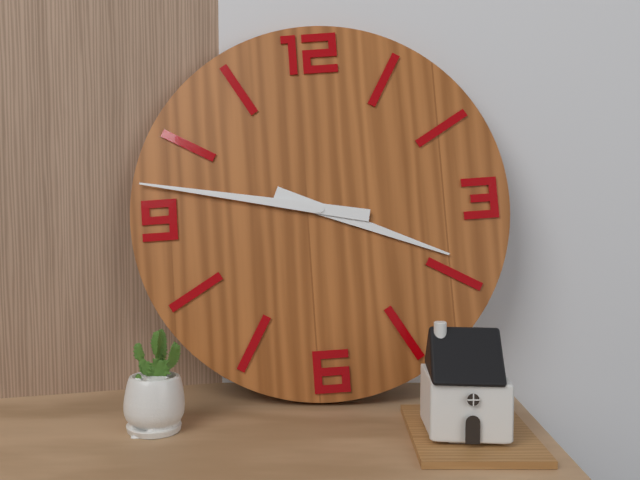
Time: **3:47**
